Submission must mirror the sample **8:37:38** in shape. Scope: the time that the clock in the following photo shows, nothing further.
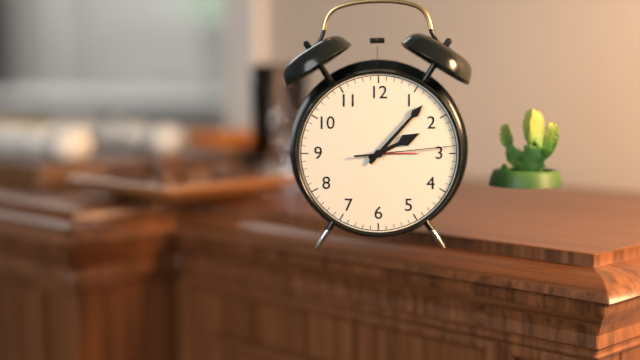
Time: **2:07:14**
